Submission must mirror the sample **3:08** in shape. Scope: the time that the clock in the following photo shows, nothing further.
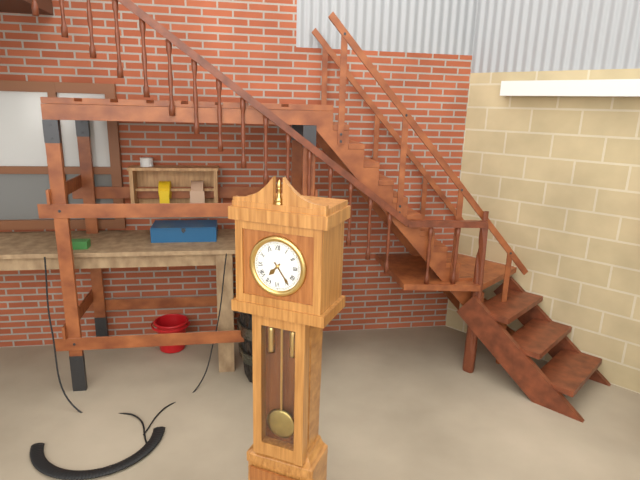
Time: **7:24**
